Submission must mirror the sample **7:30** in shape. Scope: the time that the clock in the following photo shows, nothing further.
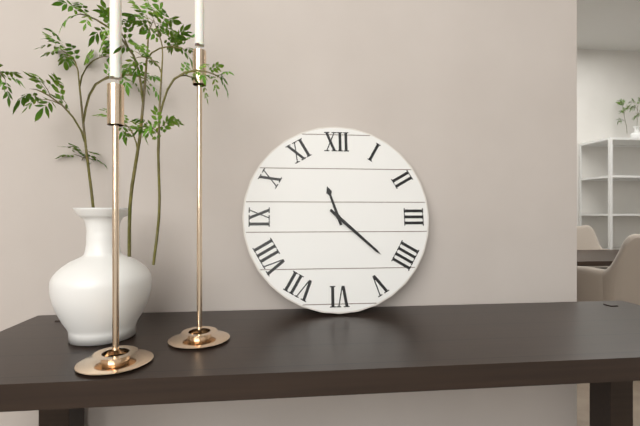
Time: **11:22**
